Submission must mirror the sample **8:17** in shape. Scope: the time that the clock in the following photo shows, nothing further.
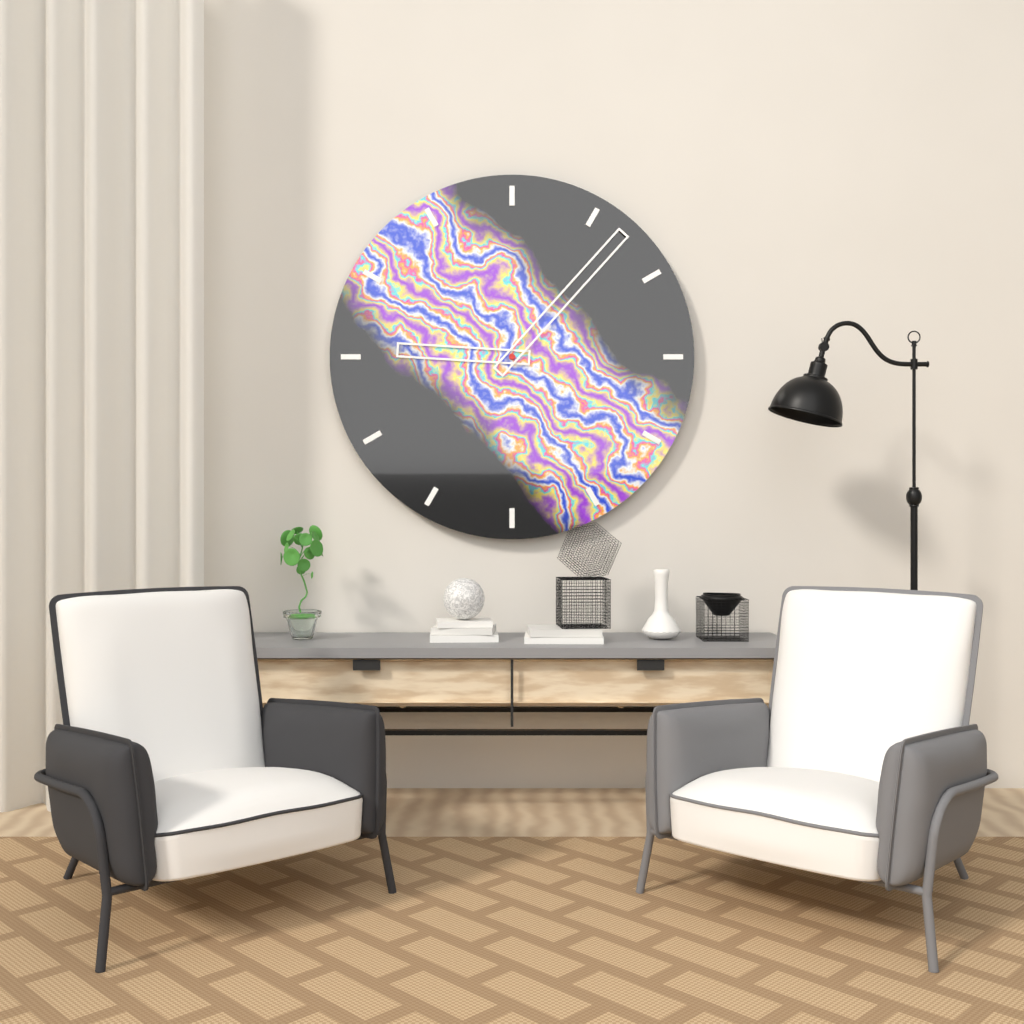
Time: **9:07**
